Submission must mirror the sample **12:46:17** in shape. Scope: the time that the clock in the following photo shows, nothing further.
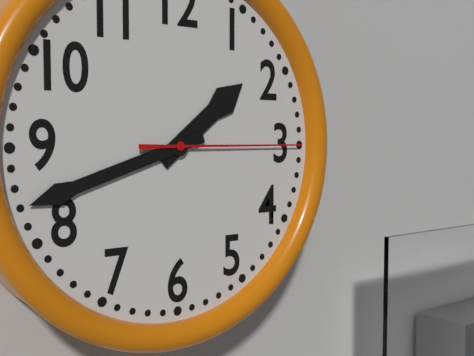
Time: **1:42:15**
